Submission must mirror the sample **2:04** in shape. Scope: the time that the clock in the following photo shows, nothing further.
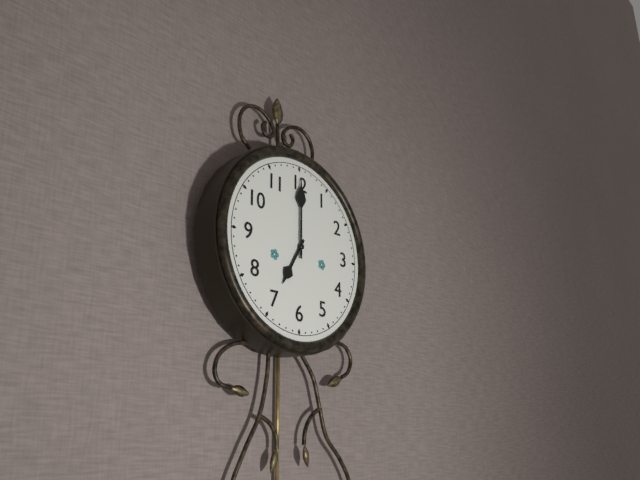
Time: **7:00**
